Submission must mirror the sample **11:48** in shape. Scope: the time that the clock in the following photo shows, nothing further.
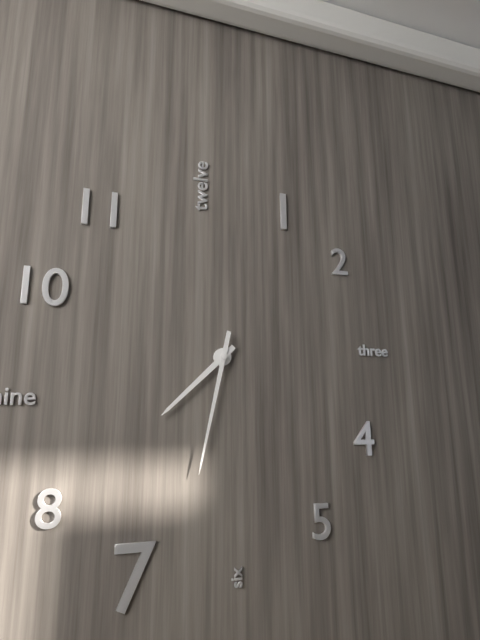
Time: **7:32**
